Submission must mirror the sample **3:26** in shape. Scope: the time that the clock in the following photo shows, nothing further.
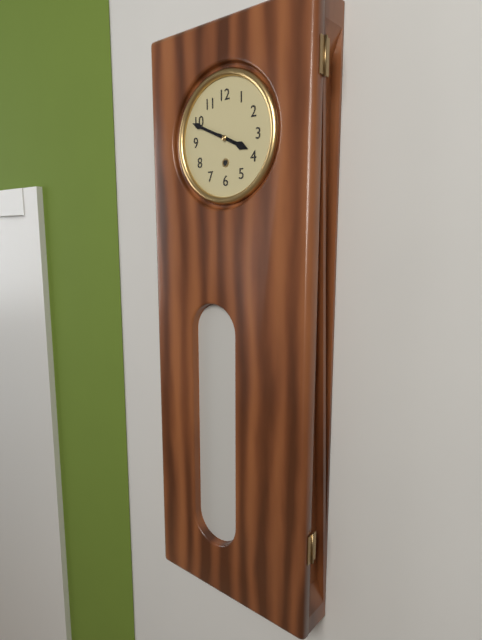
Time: **3:49**
